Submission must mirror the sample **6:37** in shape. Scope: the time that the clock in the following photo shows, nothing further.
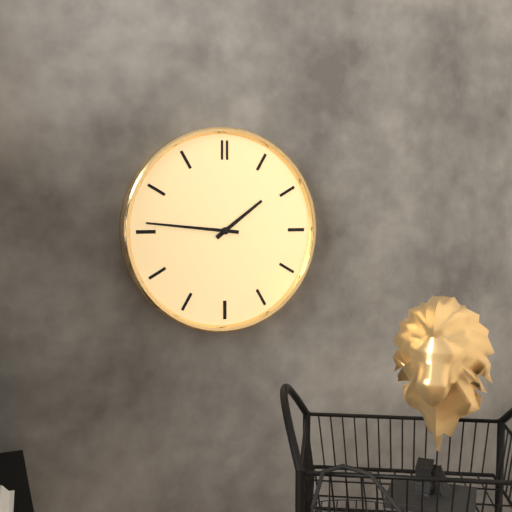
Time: **1:46**
